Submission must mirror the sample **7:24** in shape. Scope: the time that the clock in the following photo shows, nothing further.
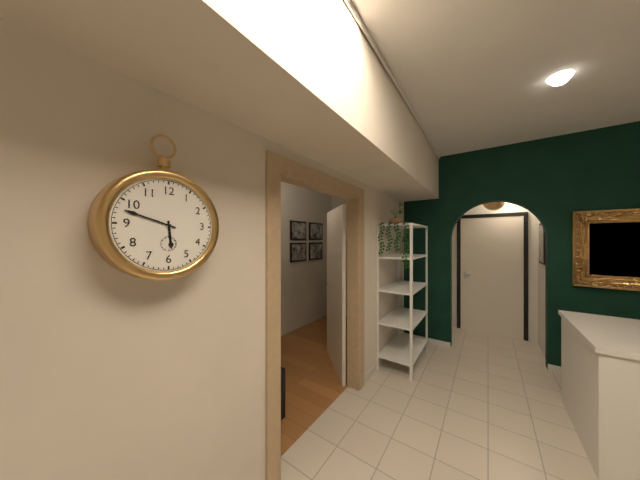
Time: **5:48**
